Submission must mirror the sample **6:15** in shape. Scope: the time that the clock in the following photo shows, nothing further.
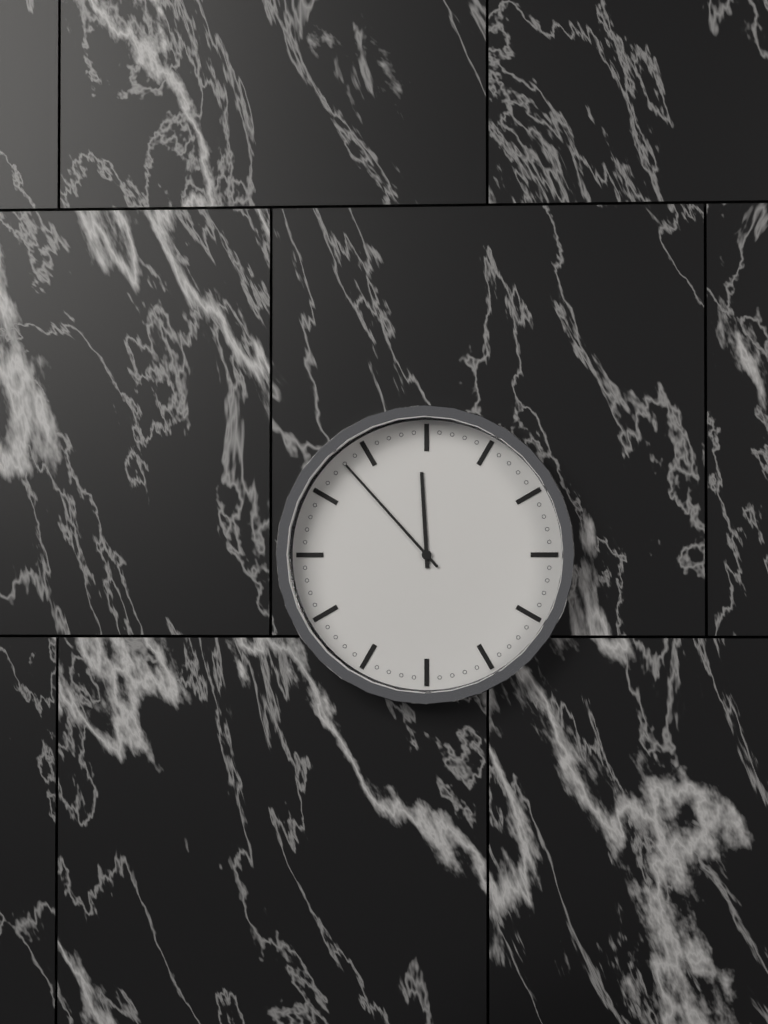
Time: **11:53**
